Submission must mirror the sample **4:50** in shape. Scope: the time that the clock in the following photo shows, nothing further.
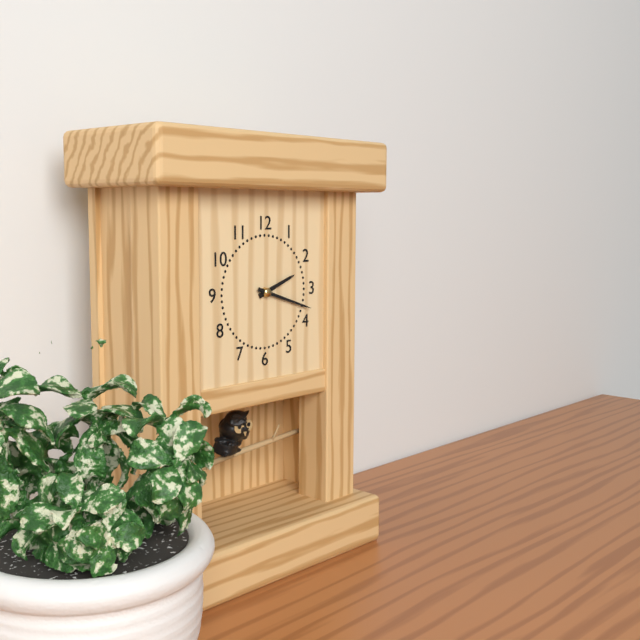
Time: **2:18**
